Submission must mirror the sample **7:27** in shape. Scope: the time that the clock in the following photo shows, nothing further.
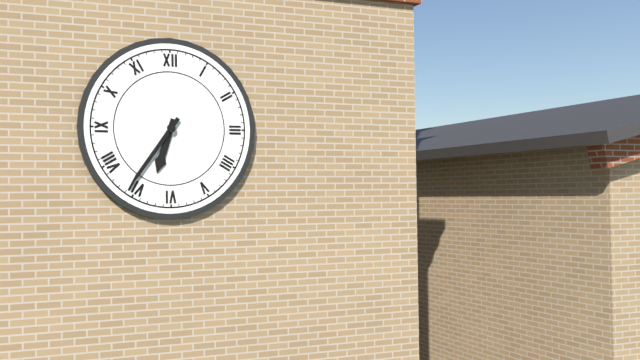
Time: **6:36**
